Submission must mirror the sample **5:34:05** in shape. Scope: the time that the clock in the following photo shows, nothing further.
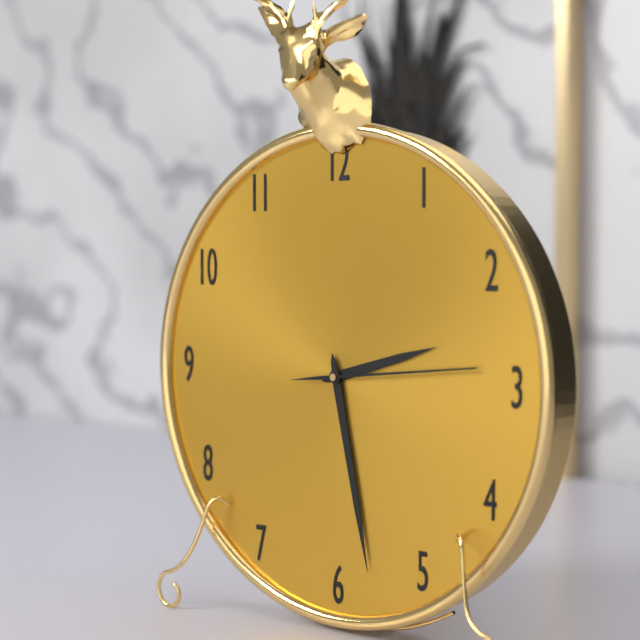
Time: **2:28:14**
